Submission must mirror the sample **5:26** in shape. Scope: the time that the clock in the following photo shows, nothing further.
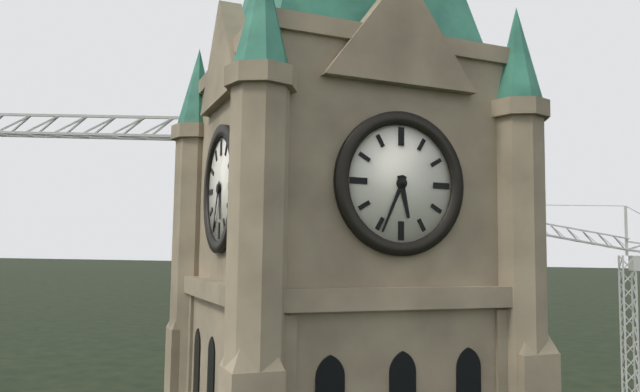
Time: **5:34**
